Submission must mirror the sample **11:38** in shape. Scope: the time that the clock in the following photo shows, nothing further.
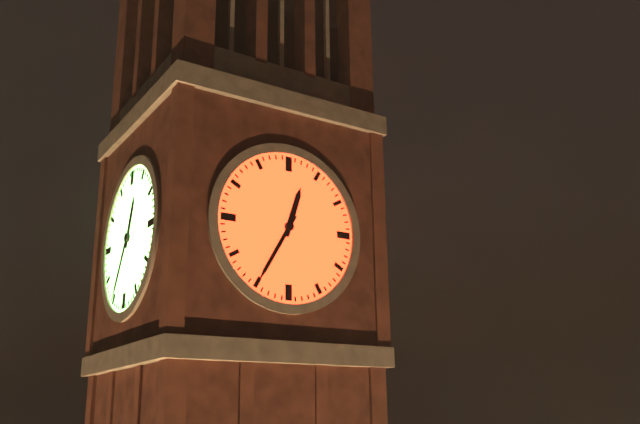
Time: **12:35**
